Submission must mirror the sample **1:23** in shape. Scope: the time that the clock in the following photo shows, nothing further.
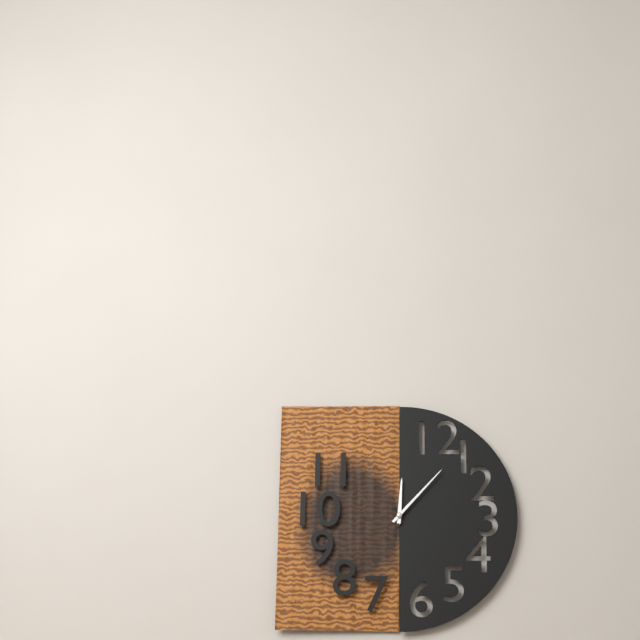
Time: **12:07**
